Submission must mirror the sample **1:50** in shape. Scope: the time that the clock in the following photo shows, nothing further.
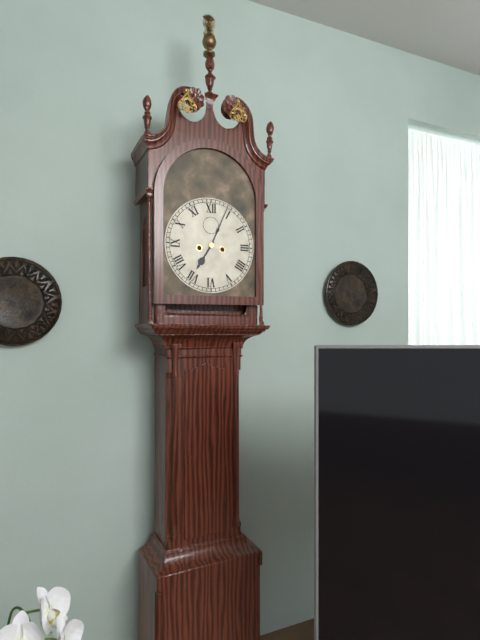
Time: **7:04**
